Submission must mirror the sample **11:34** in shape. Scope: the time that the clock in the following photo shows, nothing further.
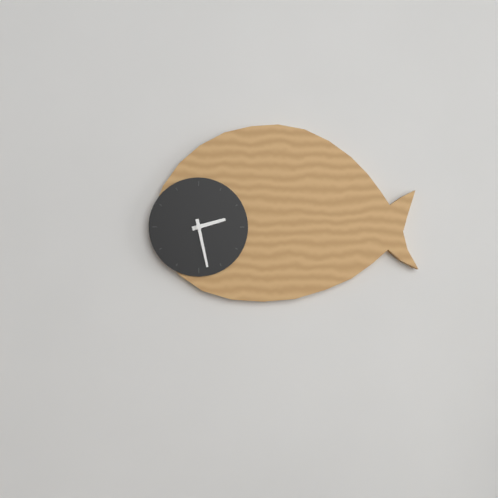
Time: **2:28**
